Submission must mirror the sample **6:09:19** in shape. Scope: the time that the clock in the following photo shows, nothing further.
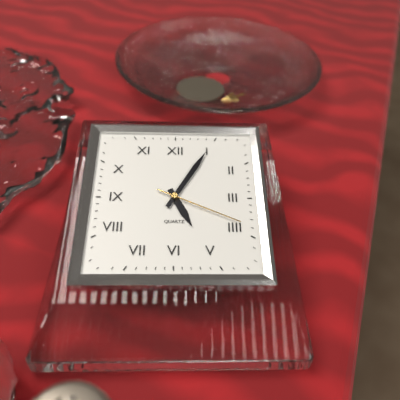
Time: **5:05:19**
